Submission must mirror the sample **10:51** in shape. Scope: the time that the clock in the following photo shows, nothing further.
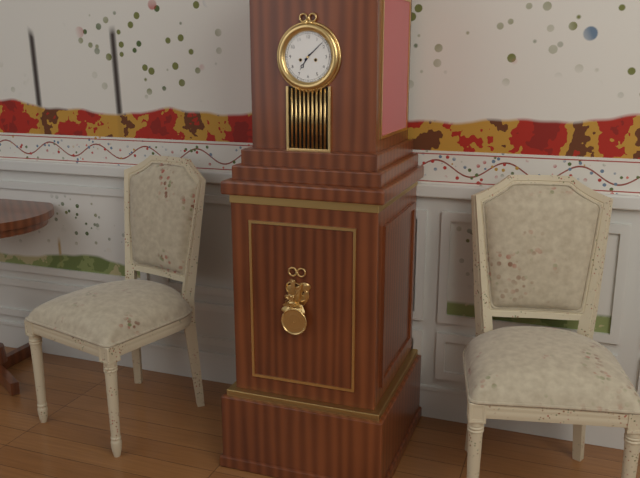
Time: **7:08**
